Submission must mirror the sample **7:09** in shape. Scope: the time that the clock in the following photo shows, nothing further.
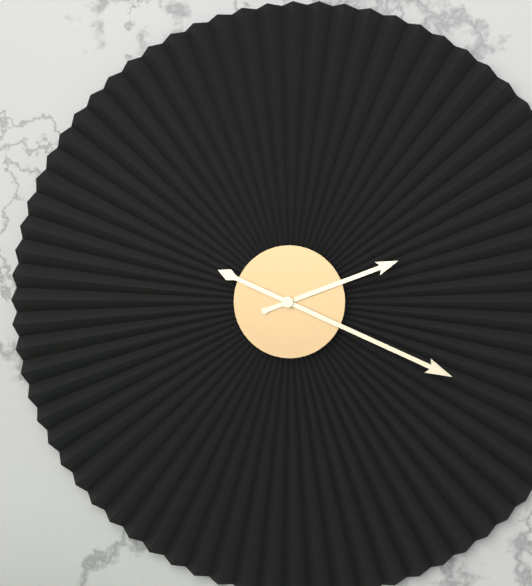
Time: **2:19**
